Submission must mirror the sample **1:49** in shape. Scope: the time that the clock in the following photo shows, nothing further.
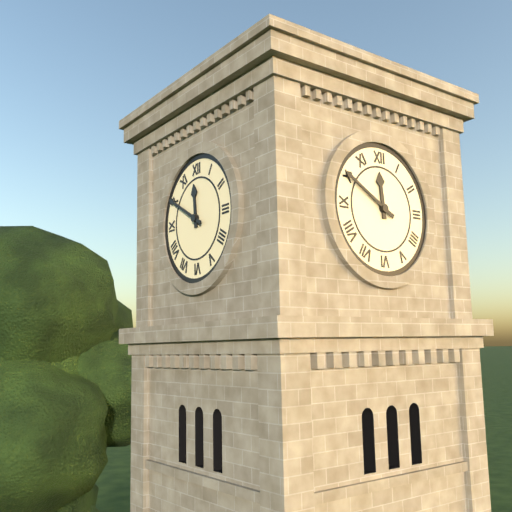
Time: **11:50**
